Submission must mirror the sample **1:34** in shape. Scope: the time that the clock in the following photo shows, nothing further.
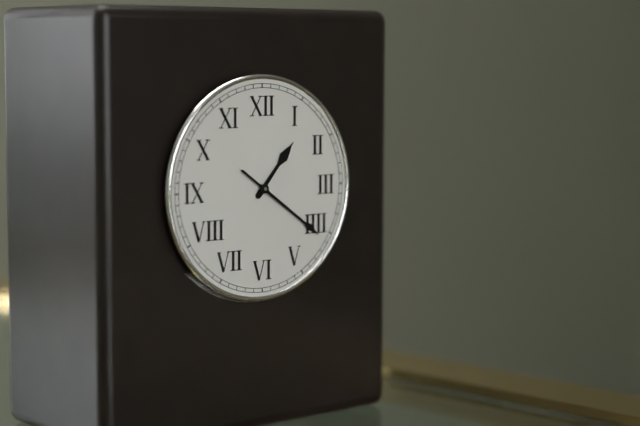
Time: **1:21**
